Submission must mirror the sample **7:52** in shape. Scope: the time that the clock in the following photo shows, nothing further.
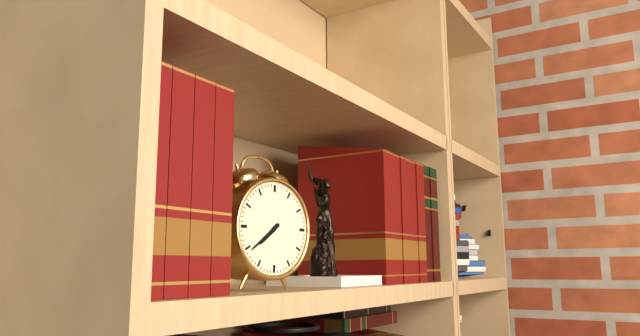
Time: **7:39**
